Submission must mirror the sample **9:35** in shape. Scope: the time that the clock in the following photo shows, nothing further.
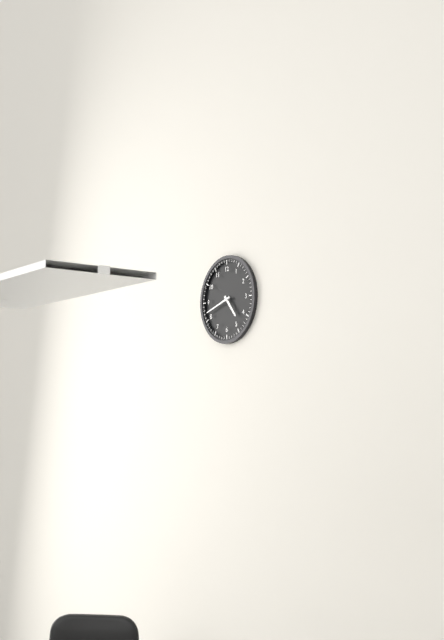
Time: **4:42**
